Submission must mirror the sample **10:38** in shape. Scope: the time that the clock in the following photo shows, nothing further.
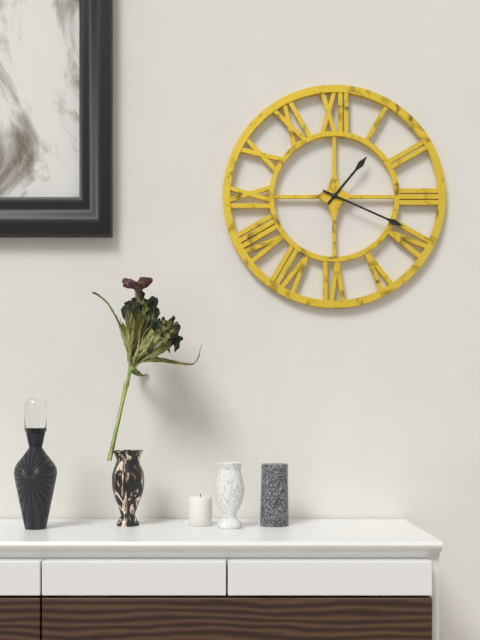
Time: **1:19**
